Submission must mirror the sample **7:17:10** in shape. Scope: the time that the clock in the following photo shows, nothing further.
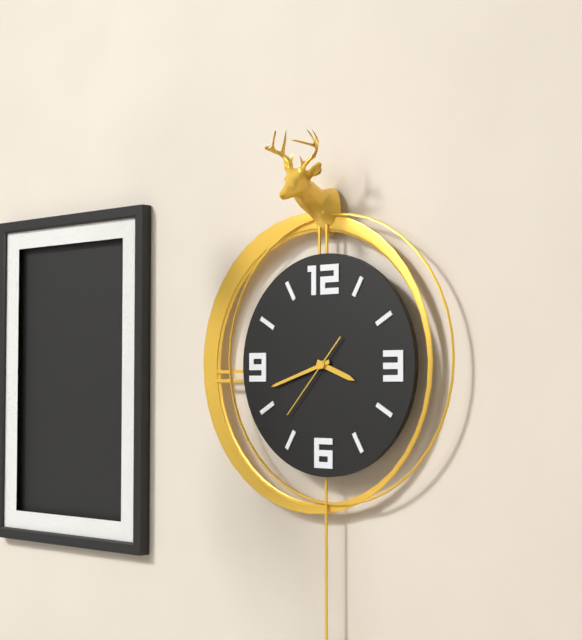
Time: **3:42:37**
